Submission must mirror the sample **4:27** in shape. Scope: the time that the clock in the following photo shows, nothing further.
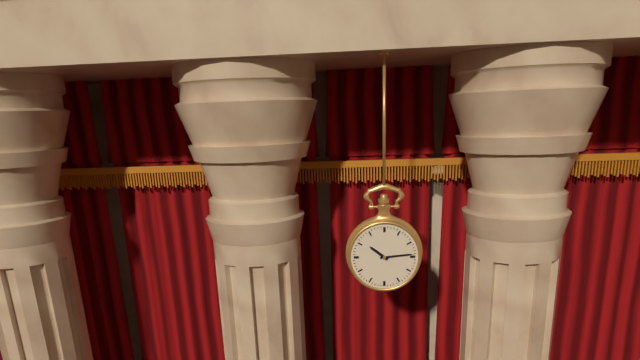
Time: **10:14**
